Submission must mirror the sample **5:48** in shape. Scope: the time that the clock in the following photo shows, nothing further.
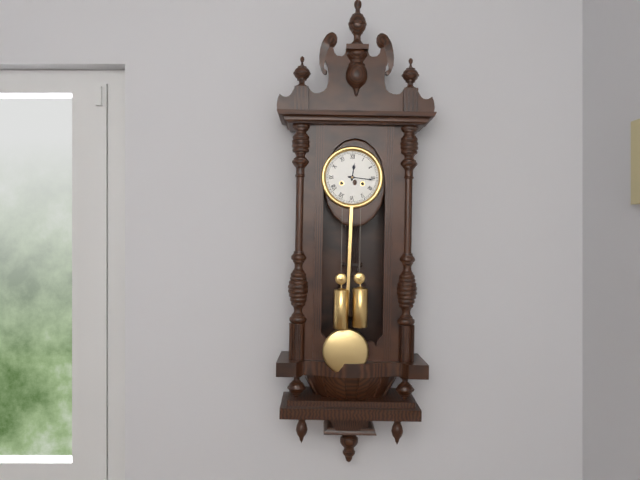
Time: **12:16**
